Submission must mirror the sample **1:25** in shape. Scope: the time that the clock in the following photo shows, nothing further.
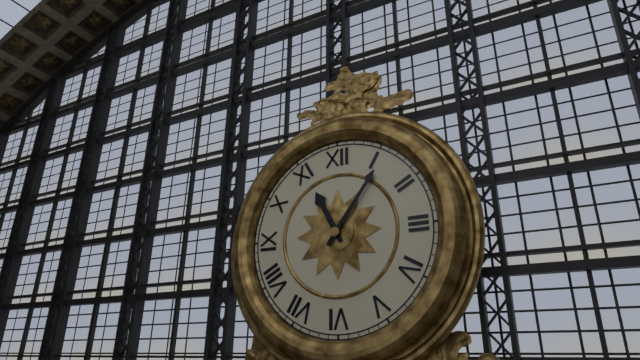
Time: **11:06**
